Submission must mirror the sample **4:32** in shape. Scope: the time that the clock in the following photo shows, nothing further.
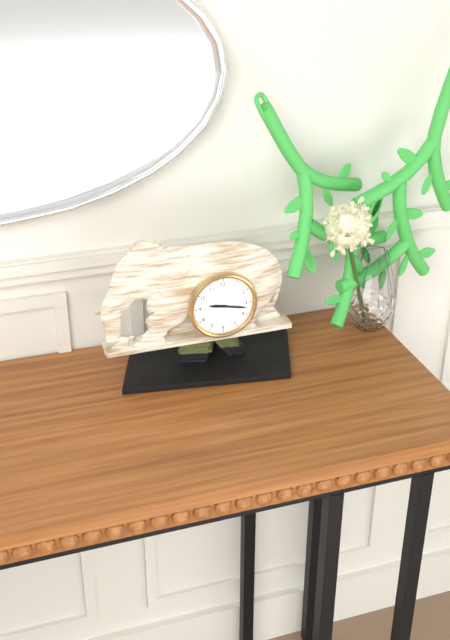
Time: **9:17**
